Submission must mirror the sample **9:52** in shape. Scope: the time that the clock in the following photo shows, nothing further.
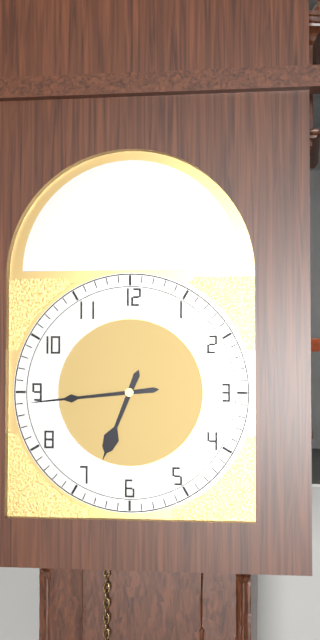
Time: **6:44**
